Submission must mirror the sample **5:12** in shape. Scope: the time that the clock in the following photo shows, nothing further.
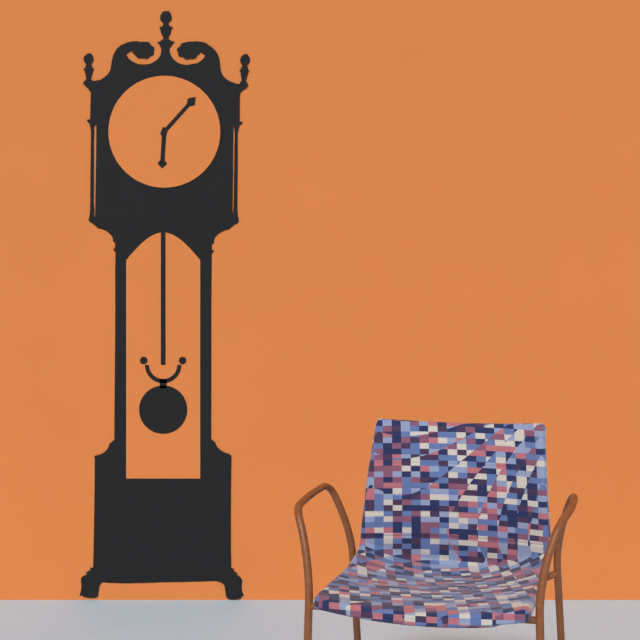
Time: **6:07**
